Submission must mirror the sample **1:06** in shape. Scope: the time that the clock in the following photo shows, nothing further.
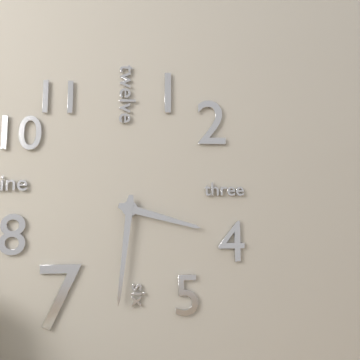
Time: **3:31**
